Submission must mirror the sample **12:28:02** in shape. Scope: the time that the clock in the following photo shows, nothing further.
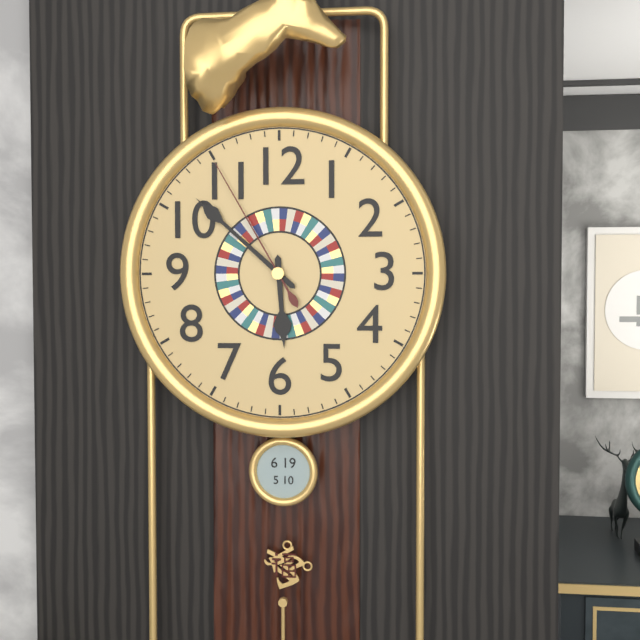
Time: **5:52:55**
